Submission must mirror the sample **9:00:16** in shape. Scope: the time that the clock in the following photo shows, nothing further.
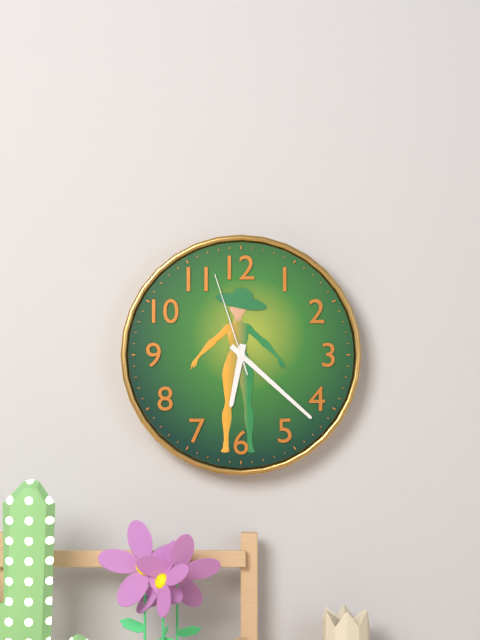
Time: **6:22:57**
